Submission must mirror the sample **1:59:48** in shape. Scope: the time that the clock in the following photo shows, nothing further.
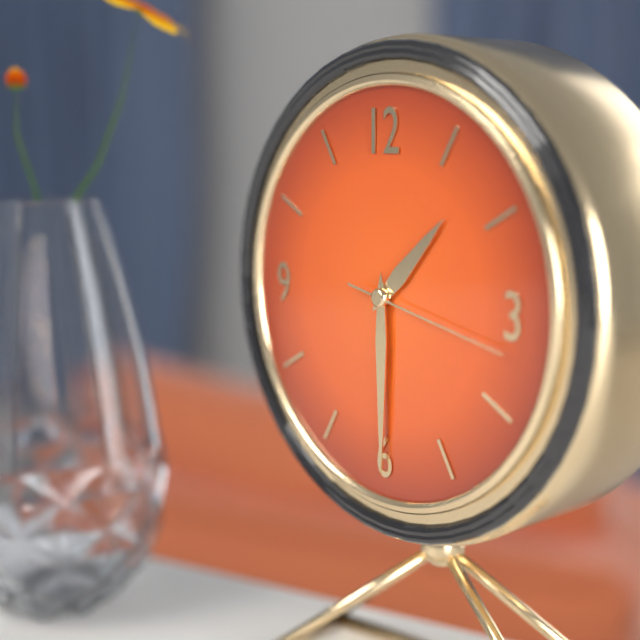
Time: **1:30:17**
